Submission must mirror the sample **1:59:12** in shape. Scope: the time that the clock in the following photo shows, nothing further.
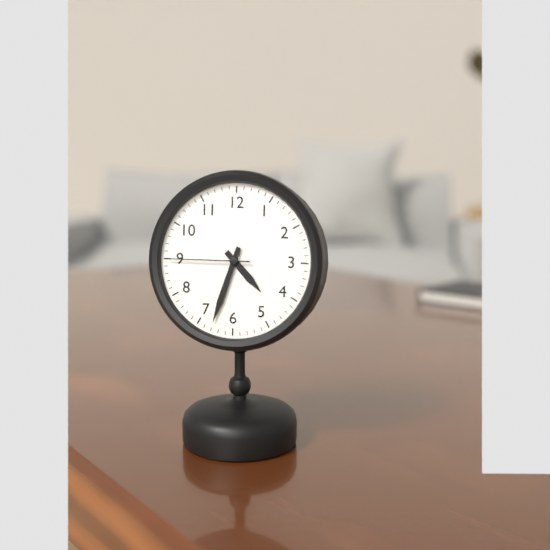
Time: **4:33:45**
